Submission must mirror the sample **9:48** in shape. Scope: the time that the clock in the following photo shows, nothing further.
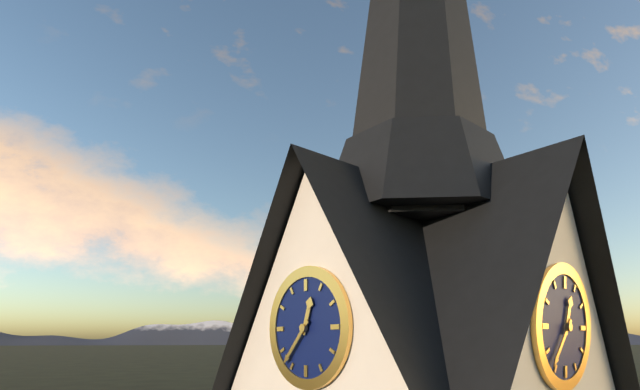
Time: **12:37**
